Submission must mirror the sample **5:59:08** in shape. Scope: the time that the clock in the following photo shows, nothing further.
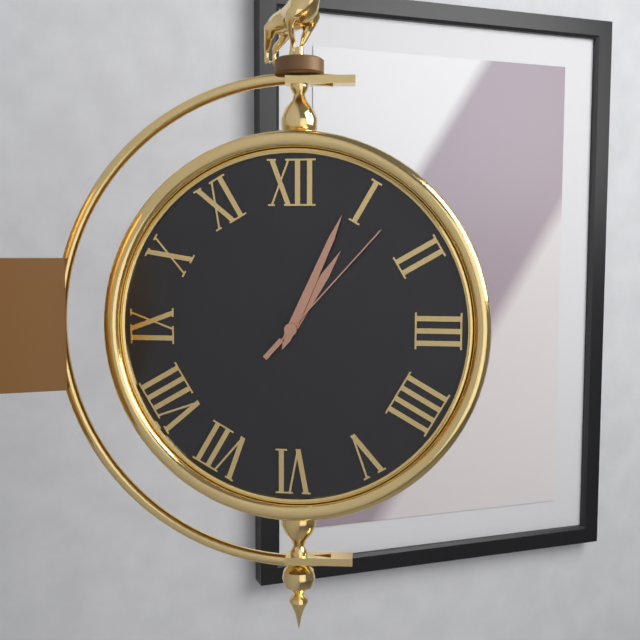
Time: **1:04:07**
